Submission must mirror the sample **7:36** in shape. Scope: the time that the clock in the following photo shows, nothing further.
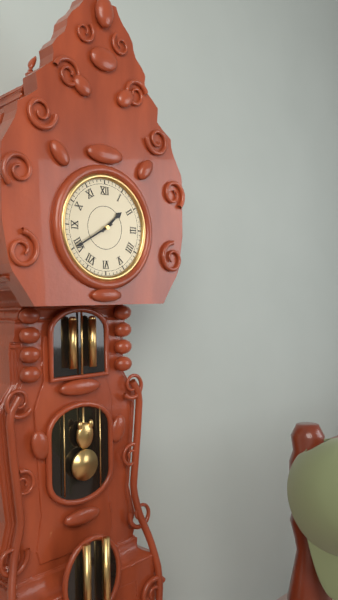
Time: **1:40**
